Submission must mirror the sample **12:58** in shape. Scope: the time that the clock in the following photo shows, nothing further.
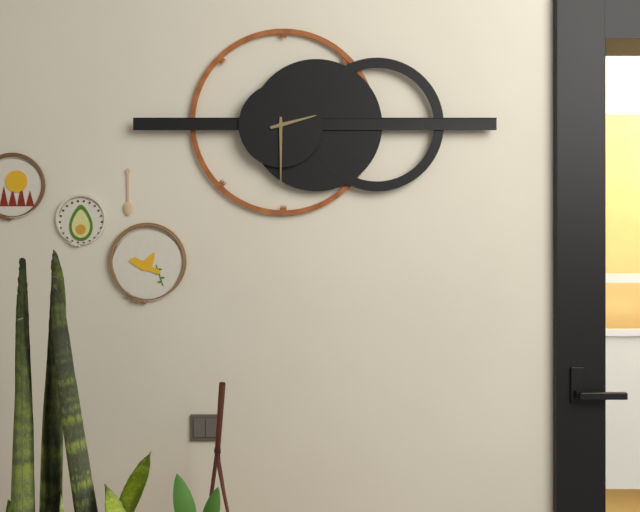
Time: **2:30**
